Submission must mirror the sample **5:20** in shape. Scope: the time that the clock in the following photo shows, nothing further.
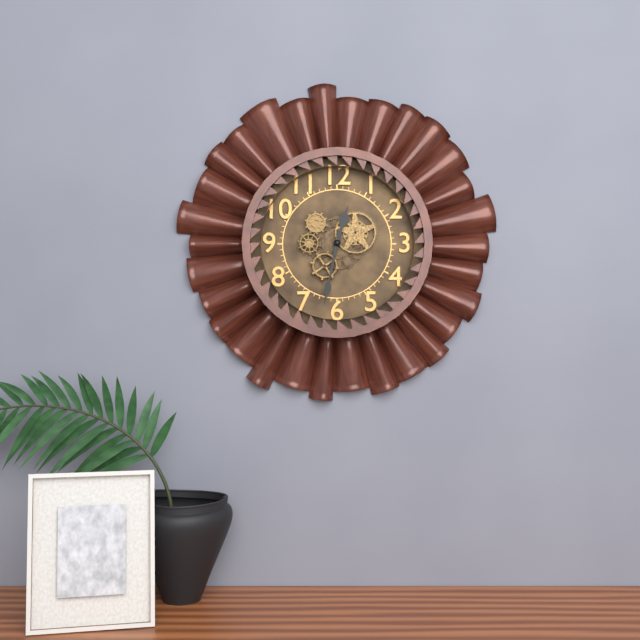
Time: **12:32**
